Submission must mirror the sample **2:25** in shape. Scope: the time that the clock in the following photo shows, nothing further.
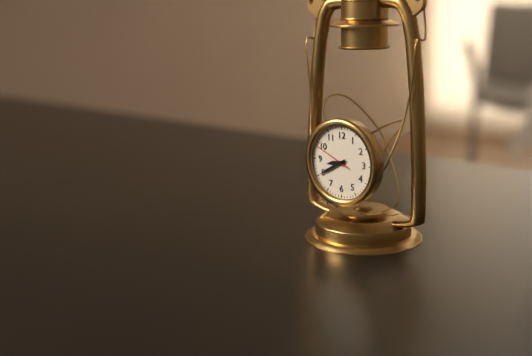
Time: **8:40**
